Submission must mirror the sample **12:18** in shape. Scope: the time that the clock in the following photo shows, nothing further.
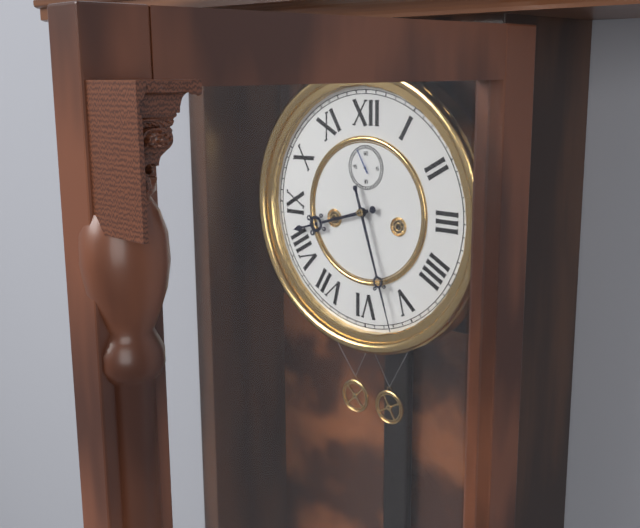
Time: **8:27**
